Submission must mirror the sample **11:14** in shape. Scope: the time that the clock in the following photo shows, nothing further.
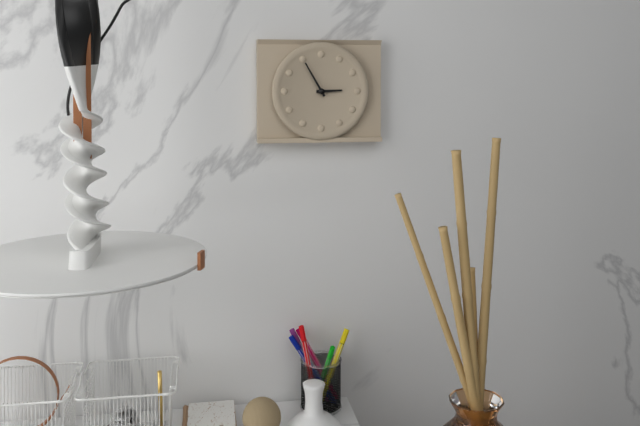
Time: **2:55**
